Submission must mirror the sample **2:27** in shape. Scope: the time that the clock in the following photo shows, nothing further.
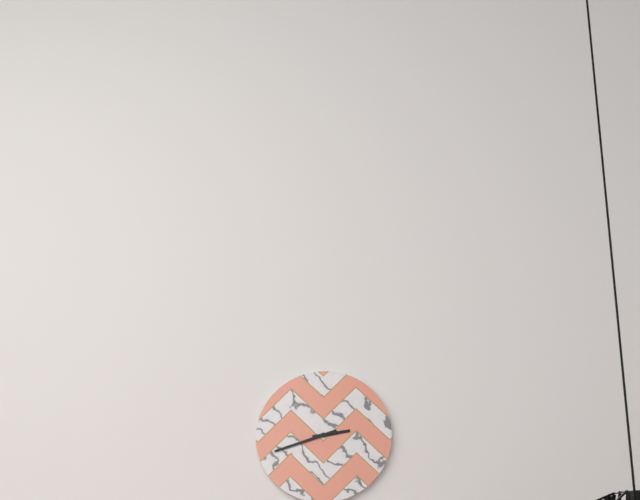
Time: **2:42**
